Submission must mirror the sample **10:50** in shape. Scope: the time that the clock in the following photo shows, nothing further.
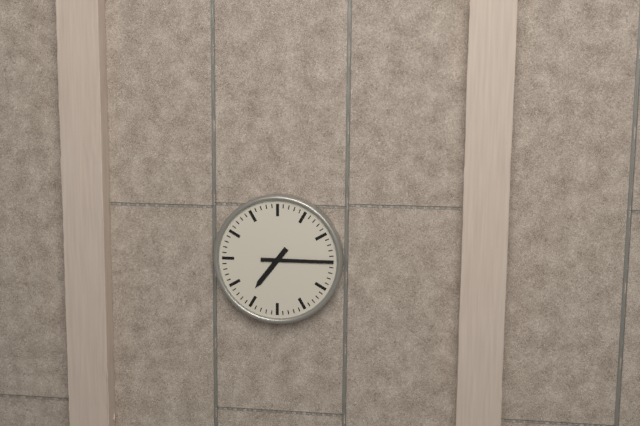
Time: **7:15**
